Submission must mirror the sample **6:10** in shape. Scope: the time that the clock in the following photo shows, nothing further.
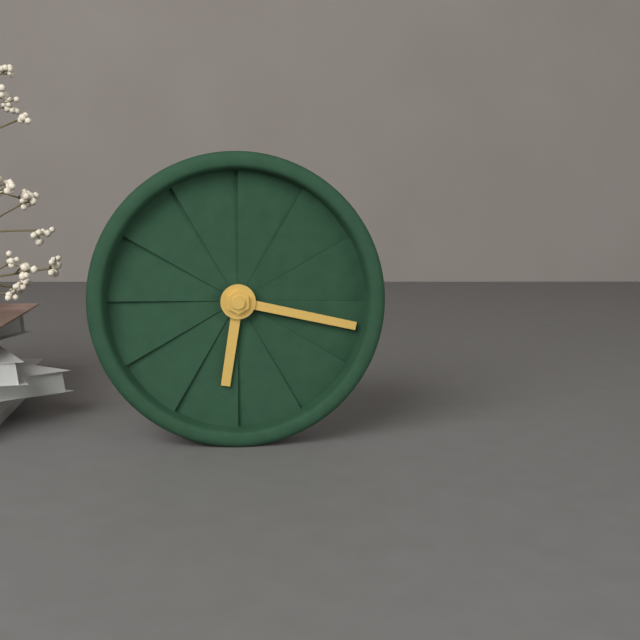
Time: **6:17**
